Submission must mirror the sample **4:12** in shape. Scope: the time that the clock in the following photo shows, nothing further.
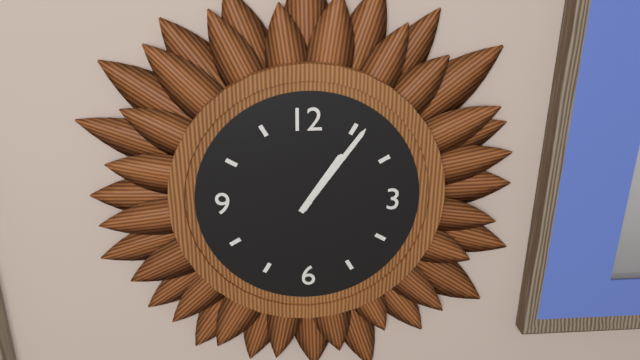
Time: **1:06**
